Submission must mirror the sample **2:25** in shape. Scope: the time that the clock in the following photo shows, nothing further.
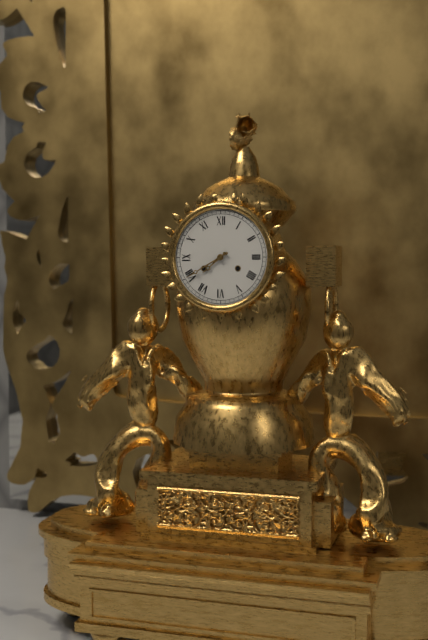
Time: **7:40**
